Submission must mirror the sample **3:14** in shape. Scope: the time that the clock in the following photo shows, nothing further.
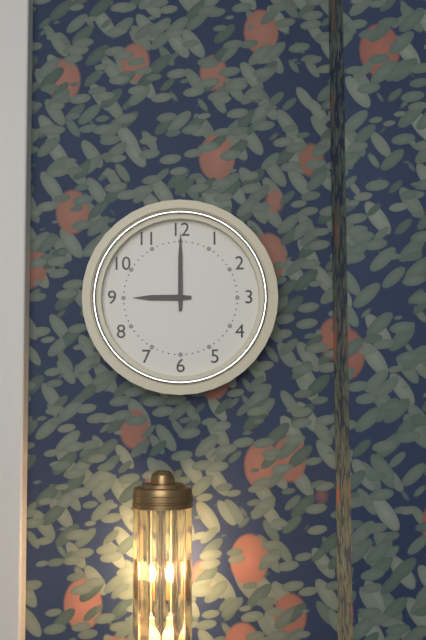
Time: **9:00**
